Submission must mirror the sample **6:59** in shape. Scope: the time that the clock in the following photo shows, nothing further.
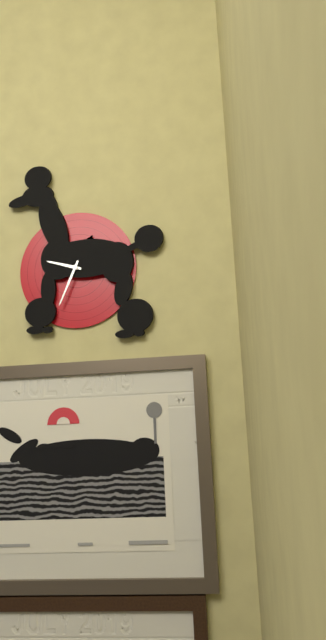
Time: **9:34**
